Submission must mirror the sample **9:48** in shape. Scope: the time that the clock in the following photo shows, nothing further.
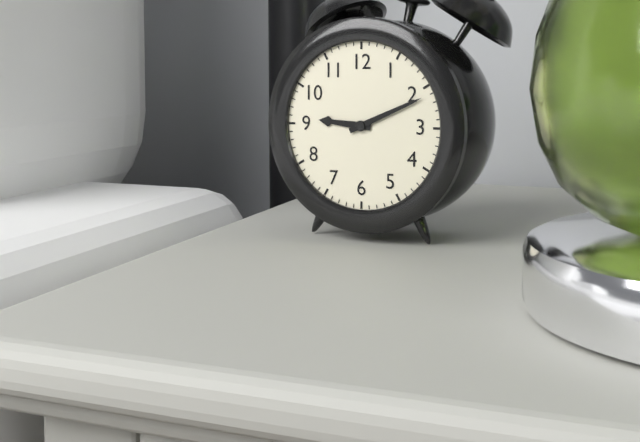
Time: **9:11**
